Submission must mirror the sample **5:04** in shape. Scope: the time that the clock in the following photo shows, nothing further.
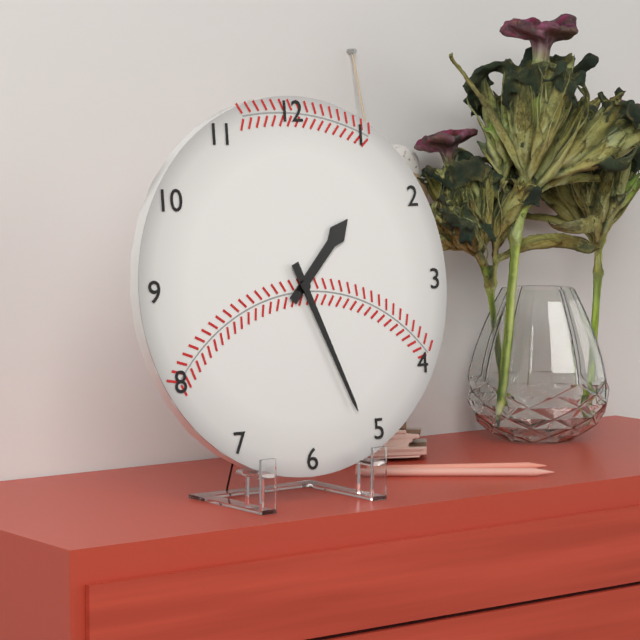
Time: **1:26**
